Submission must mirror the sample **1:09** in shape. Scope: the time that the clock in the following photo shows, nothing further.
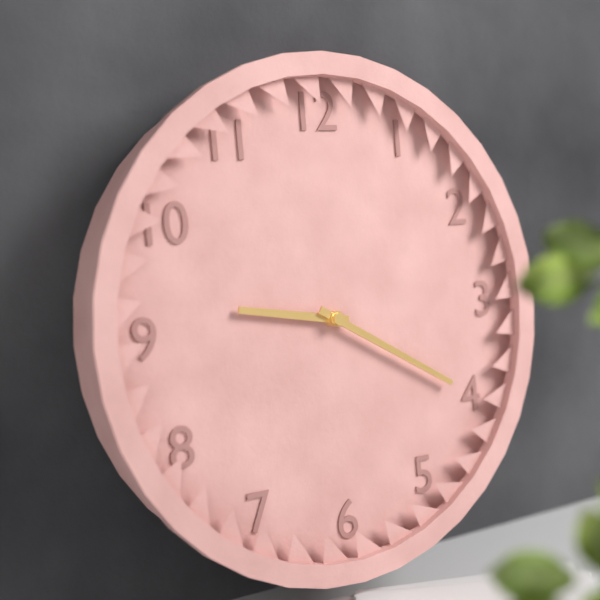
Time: **9:20**
